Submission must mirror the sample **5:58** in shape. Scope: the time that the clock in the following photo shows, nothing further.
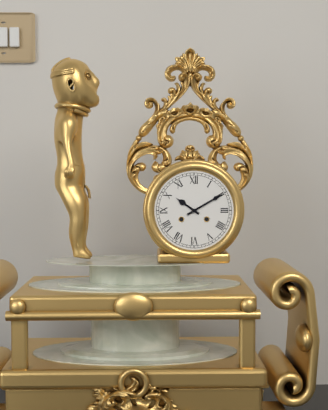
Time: **10:10**
